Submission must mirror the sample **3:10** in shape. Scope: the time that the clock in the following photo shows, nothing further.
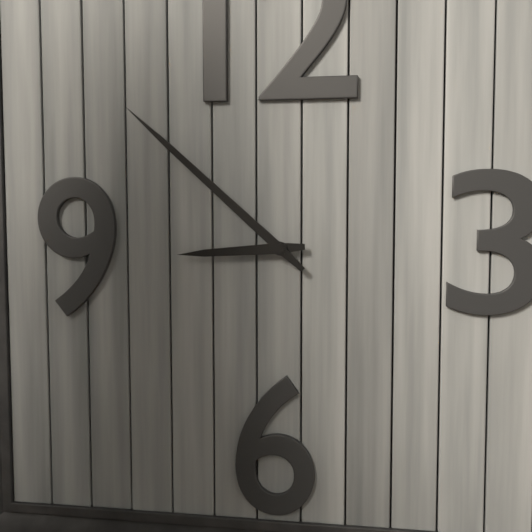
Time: **8:52**
